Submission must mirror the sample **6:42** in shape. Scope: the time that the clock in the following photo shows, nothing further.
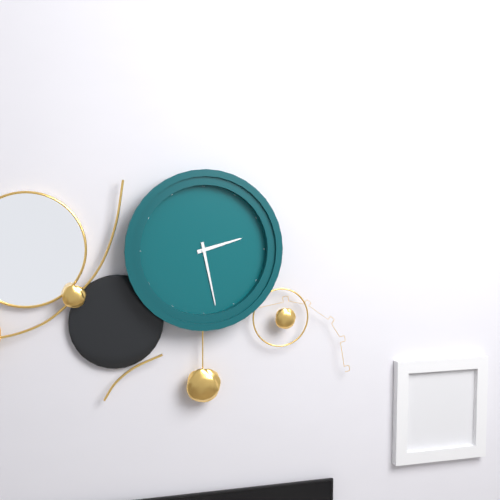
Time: **2:28**
